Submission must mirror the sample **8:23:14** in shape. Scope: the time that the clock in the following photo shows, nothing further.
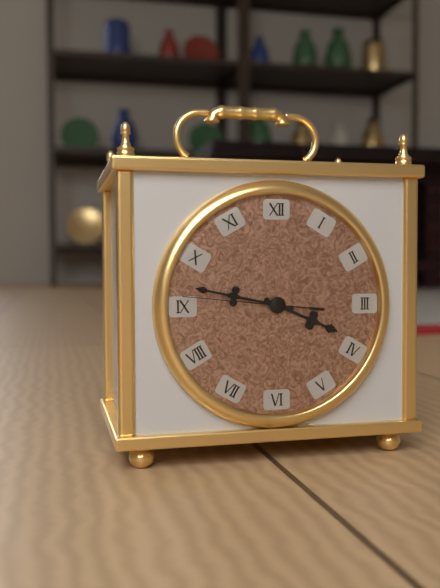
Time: **3:47:46**
